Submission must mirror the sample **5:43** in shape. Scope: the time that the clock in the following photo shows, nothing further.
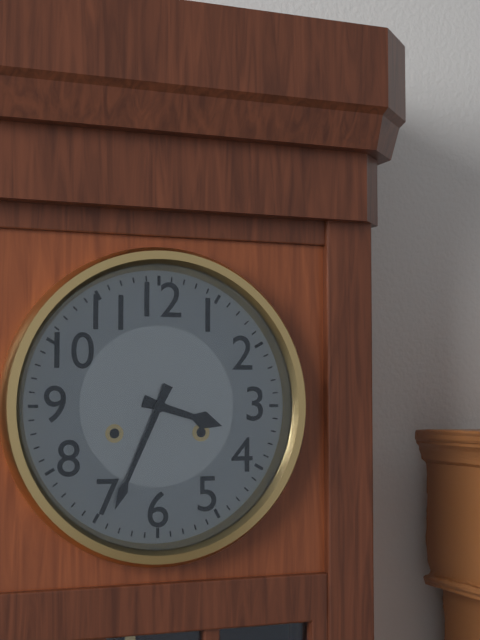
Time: **3:34**
